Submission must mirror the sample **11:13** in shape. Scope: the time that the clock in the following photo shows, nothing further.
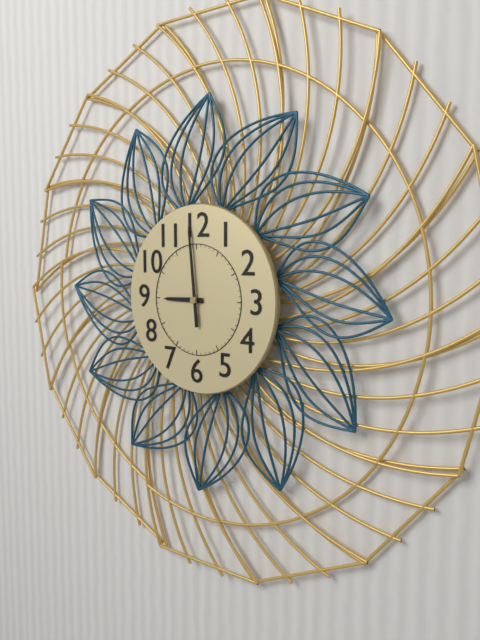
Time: **8:59**
